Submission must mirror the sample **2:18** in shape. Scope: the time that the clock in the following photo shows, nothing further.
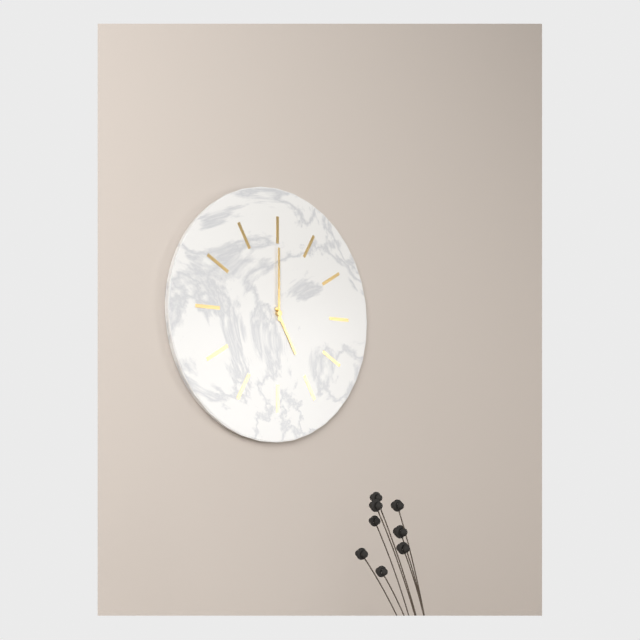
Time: **5:00**
